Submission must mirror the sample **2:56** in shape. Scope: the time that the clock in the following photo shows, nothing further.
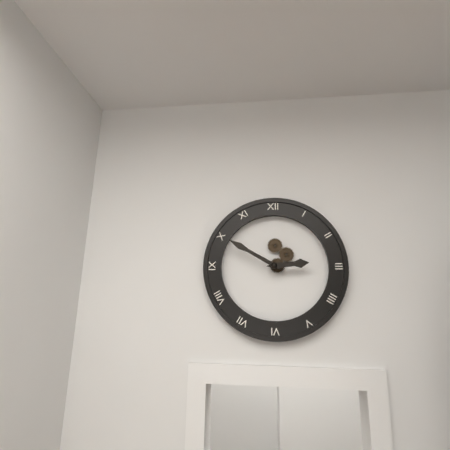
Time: **2:50**
